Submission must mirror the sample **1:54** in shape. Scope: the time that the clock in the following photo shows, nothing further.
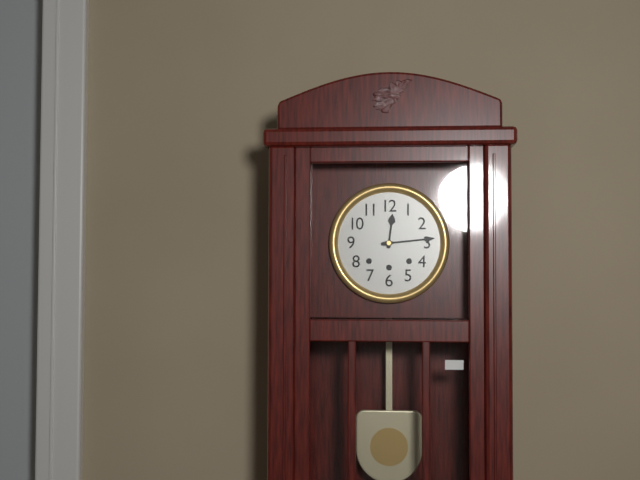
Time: **12:14**
